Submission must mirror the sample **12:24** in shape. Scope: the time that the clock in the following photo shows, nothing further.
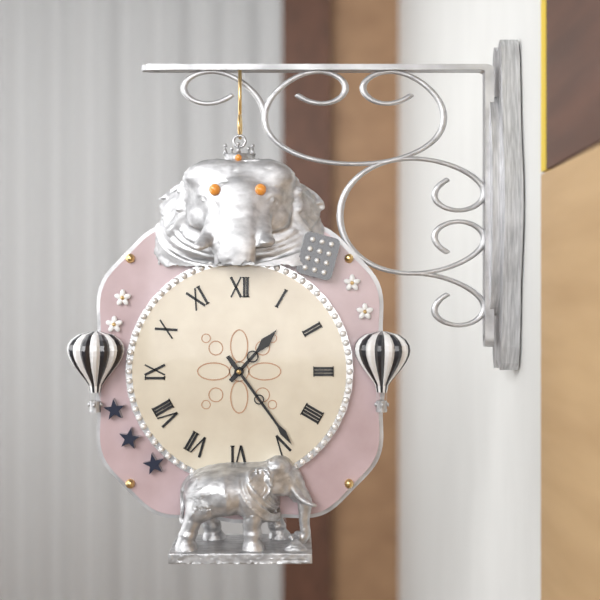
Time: **1:24**
